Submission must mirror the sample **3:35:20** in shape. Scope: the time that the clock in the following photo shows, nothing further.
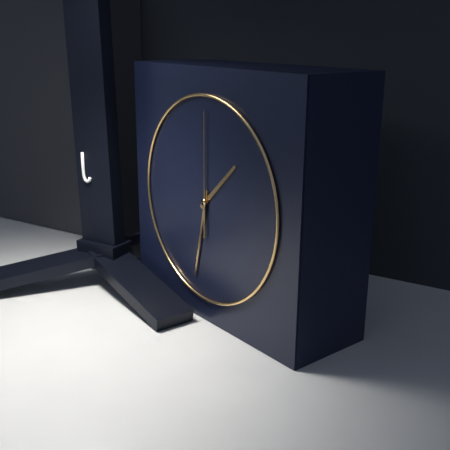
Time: **1:32:00**
